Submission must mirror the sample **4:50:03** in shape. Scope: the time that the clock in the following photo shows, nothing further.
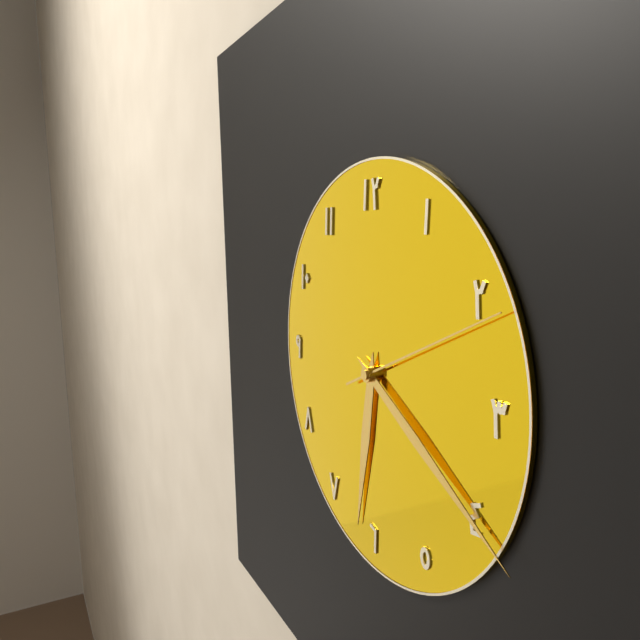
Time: **6:20:11**
